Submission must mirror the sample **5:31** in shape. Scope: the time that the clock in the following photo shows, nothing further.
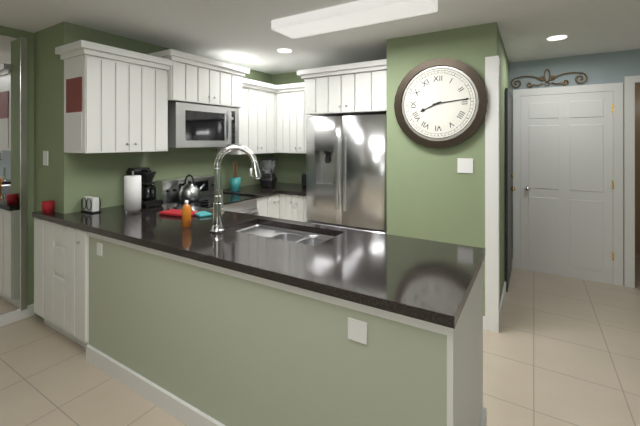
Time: **8:14**
